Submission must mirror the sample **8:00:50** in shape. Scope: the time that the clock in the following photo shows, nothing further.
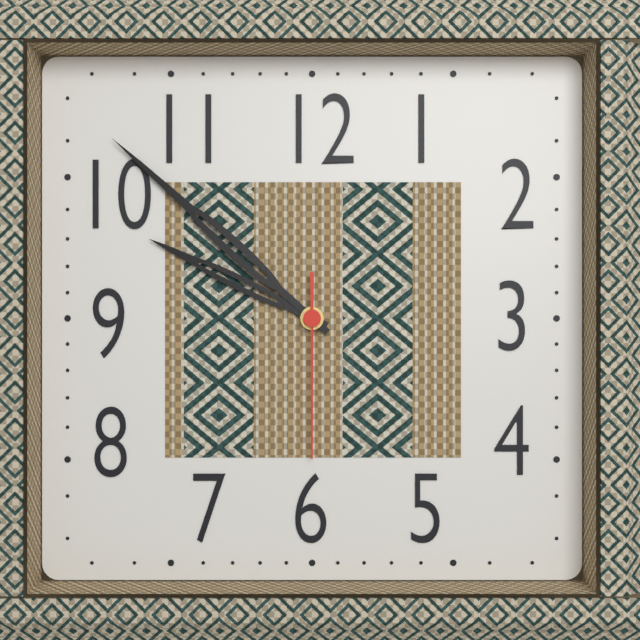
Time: **9:52:30**
